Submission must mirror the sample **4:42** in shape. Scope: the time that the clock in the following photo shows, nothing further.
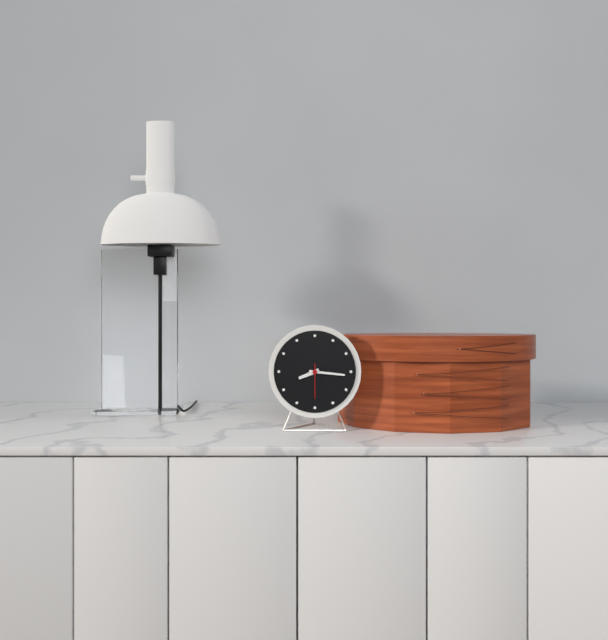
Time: **8:16**
